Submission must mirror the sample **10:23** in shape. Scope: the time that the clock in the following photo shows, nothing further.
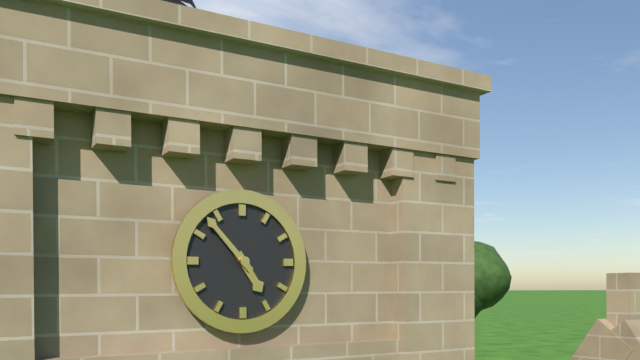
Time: **4:53**
